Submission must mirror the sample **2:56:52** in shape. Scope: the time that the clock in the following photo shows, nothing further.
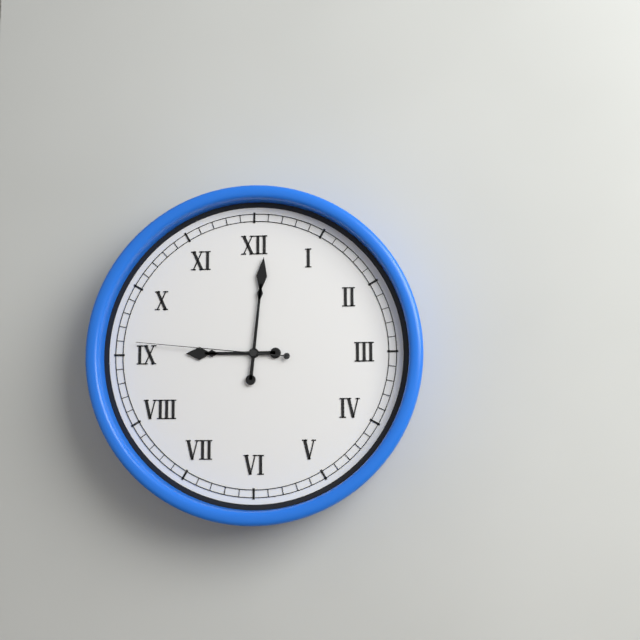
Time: **9:01:46**
